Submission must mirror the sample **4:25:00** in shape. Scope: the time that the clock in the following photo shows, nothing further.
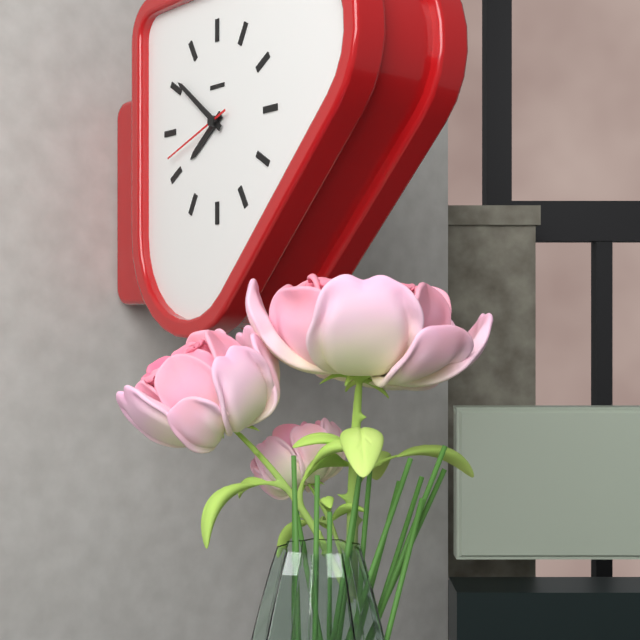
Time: **7:51:42**
